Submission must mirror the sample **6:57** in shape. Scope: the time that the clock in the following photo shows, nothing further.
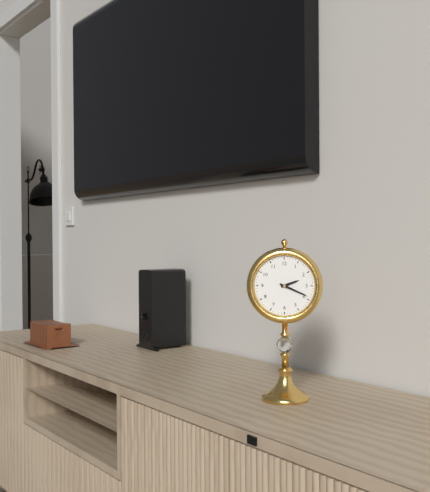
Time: **2:19**
